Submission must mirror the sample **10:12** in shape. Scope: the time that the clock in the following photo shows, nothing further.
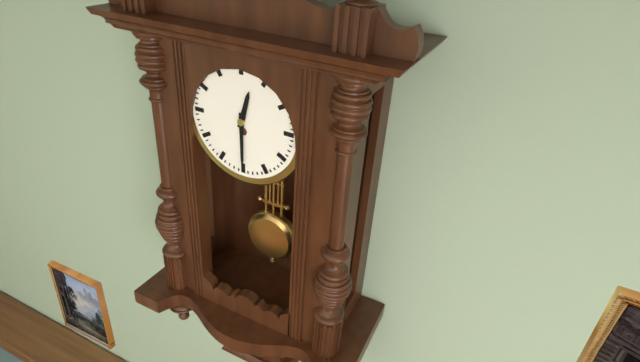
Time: **12:30**
